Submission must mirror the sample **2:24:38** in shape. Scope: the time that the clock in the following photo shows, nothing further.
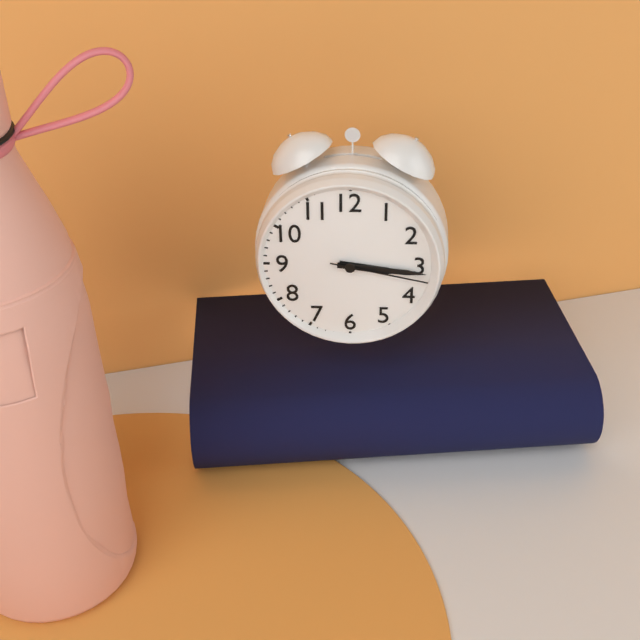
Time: **3:16:17**
